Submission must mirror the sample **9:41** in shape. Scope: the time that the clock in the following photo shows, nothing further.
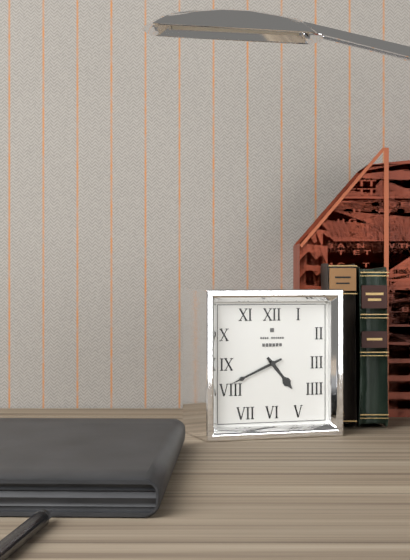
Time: **4:41**
